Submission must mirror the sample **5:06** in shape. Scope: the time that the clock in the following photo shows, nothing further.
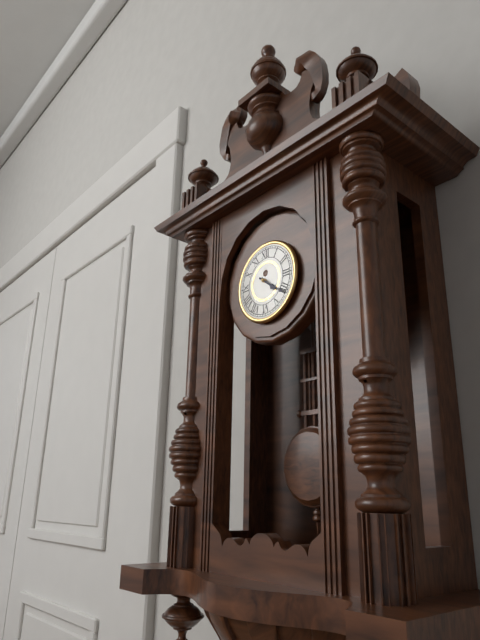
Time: **4:21**
